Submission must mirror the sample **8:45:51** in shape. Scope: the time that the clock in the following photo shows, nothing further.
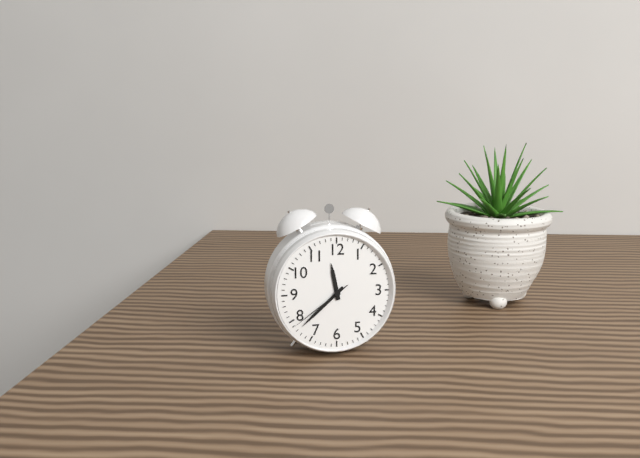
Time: **11:38:39**
